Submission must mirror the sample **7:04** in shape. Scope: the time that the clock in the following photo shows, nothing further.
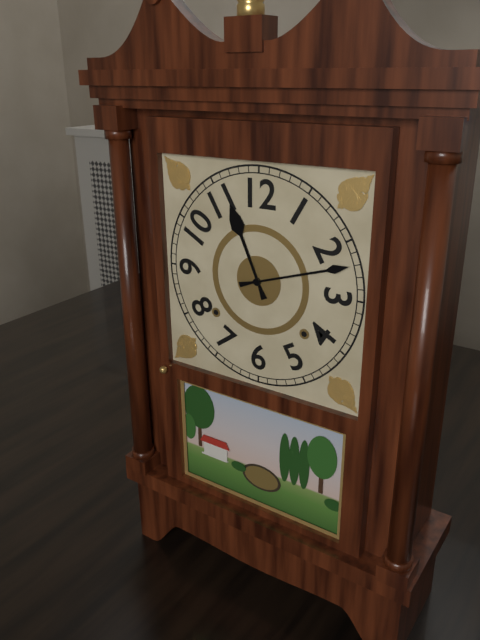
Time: **11:12**
